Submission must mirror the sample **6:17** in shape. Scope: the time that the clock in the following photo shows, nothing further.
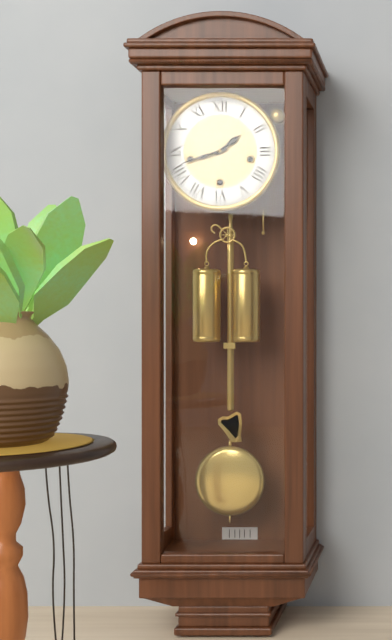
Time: **1:42**
